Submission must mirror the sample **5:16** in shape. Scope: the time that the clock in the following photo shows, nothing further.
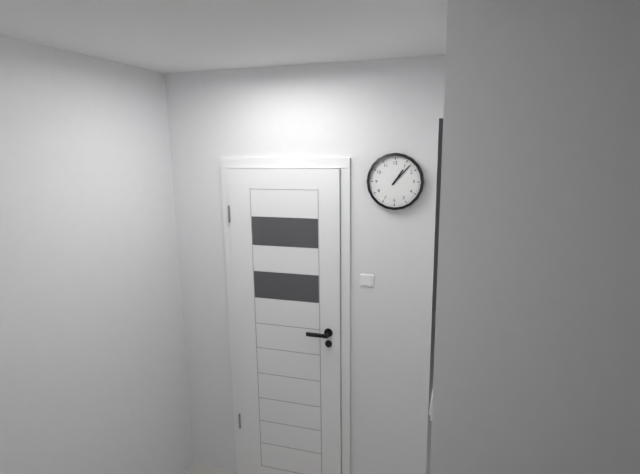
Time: **1:07**
